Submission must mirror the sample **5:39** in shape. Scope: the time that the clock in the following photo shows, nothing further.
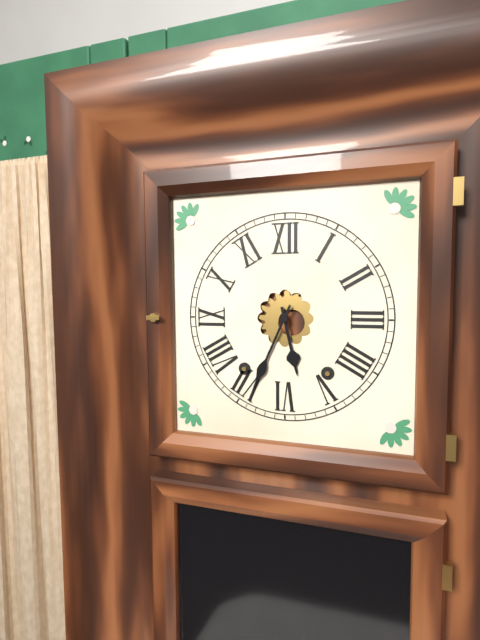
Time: **5:34**
